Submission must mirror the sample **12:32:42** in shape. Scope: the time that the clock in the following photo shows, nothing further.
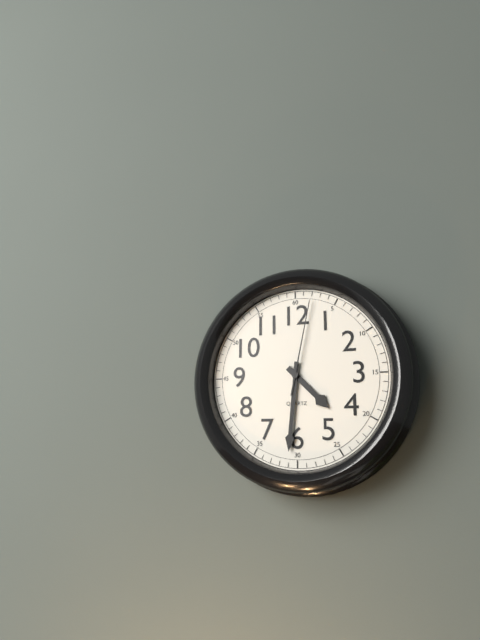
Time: **4:31:02**
